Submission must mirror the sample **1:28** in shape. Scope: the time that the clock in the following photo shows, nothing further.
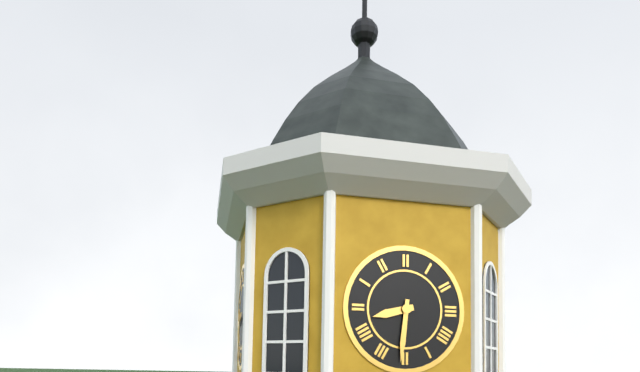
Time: **8:31**
